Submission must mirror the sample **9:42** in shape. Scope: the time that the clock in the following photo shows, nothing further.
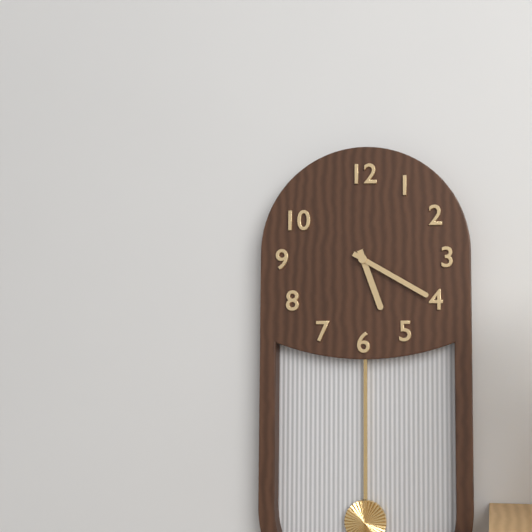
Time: **5:20**
